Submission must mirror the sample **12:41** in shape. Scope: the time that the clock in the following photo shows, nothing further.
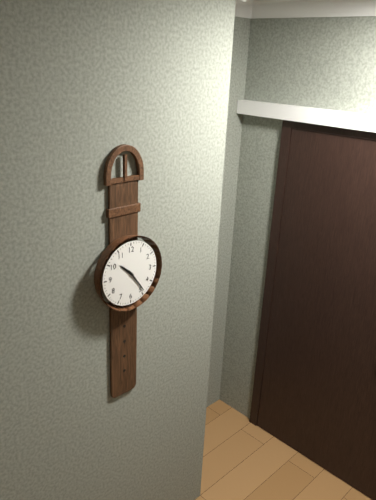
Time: **10:24**
